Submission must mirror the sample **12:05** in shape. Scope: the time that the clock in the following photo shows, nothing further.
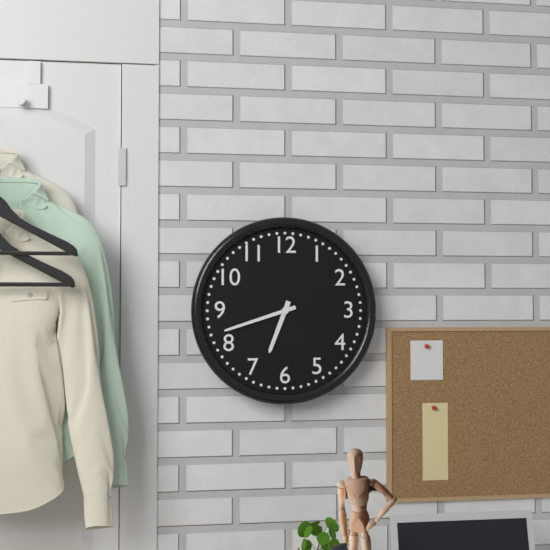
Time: **6:42**
